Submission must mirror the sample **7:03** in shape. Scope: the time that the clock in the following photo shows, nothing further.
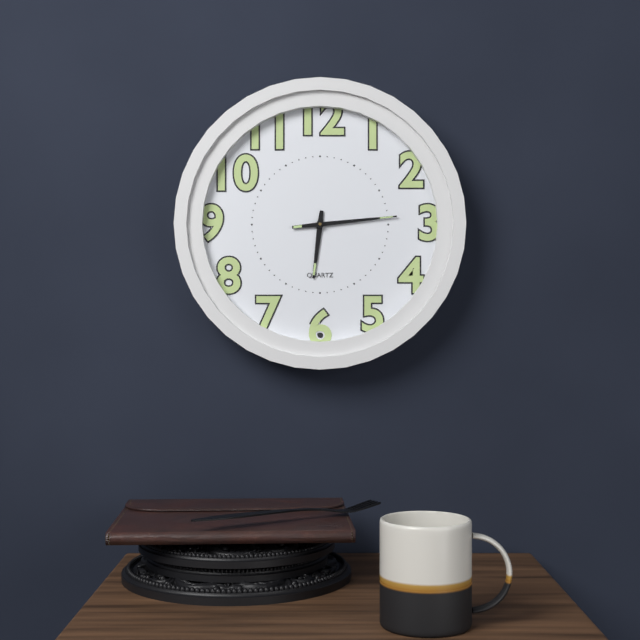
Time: **6:14**
